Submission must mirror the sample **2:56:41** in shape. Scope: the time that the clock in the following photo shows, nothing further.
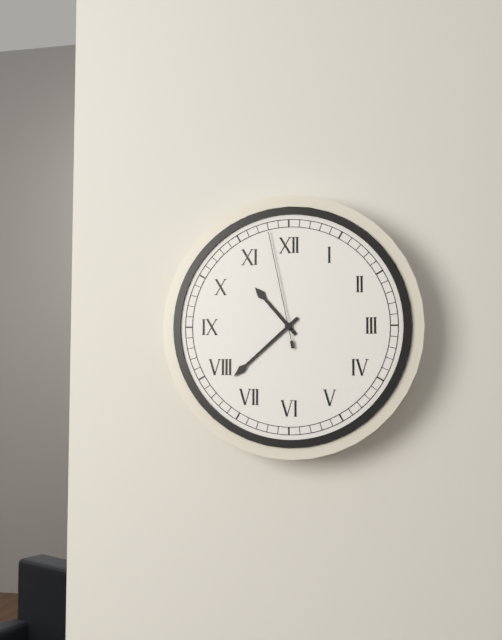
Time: **10:38:58**
